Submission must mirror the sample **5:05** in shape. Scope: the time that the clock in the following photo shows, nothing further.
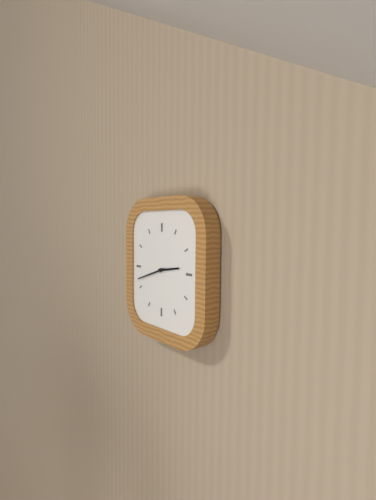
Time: **2:42**
